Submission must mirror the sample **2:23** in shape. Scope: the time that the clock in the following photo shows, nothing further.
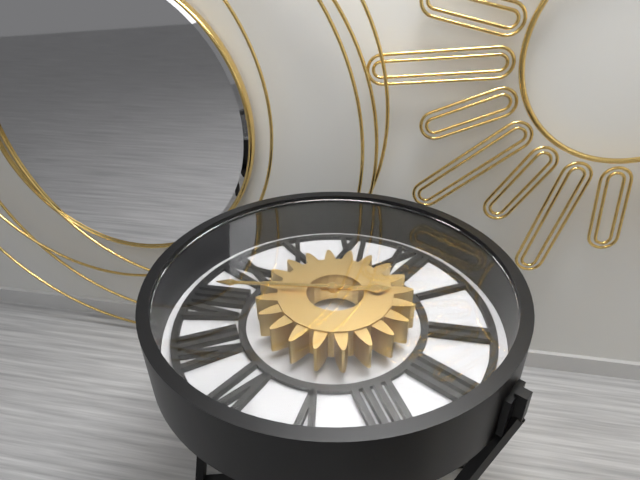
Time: **1:39**
